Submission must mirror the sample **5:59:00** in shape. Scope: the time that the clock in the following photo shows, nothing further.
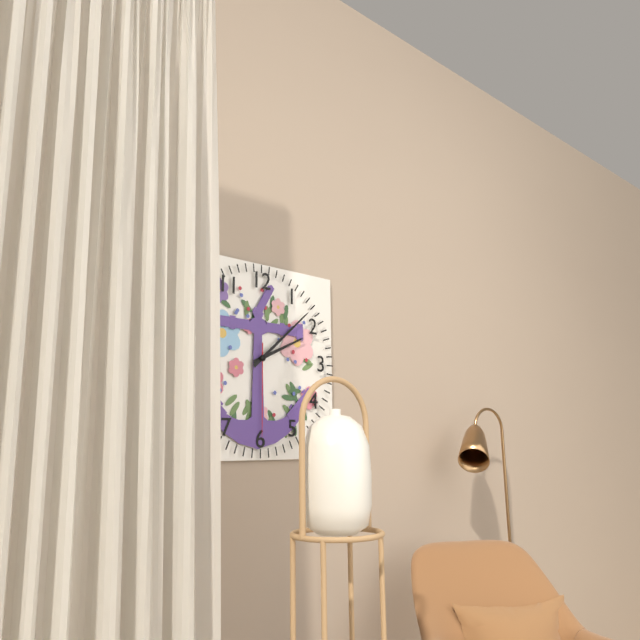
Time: **2:08:30**
